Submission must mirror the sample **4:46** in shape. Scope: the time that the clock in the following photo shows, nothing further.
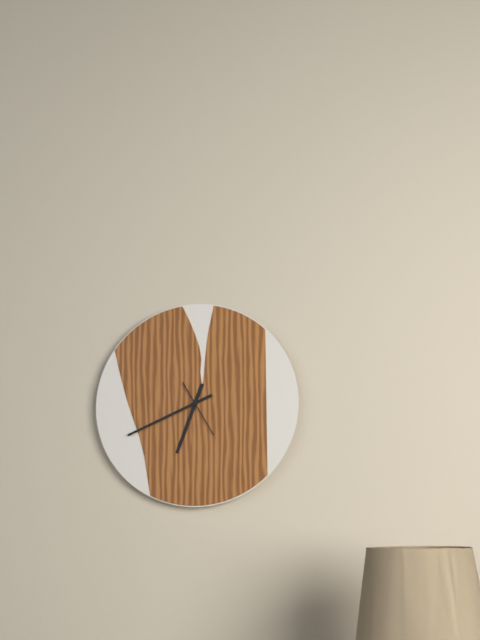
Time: **6:41**
